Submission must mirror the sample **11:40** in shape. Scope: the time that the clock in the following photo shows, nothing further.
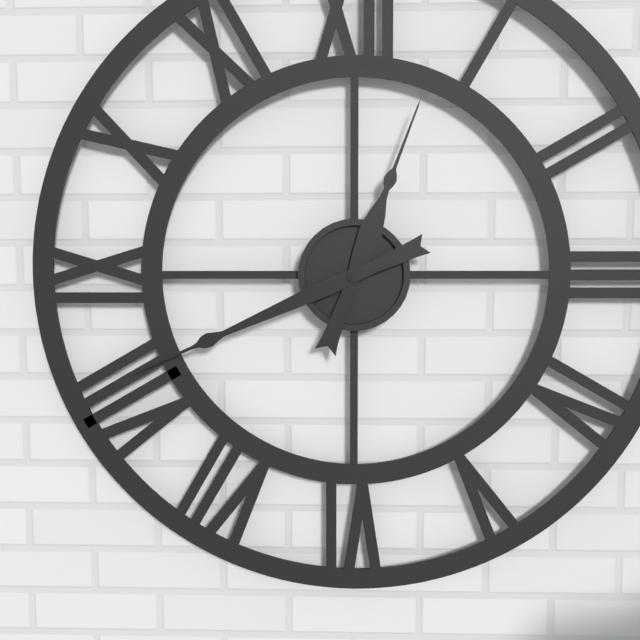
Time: **12:41**
